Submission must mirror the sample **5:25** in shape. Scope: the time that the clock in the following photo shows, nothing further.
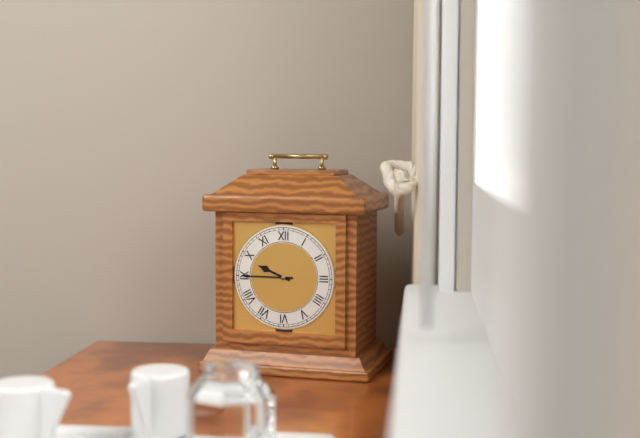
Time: **9:45**
